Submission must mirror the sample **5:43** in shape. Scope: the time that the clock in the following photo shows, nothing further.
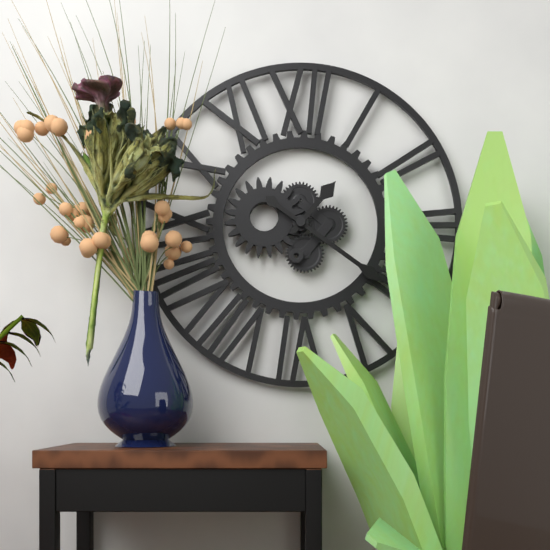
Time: **1:21**
